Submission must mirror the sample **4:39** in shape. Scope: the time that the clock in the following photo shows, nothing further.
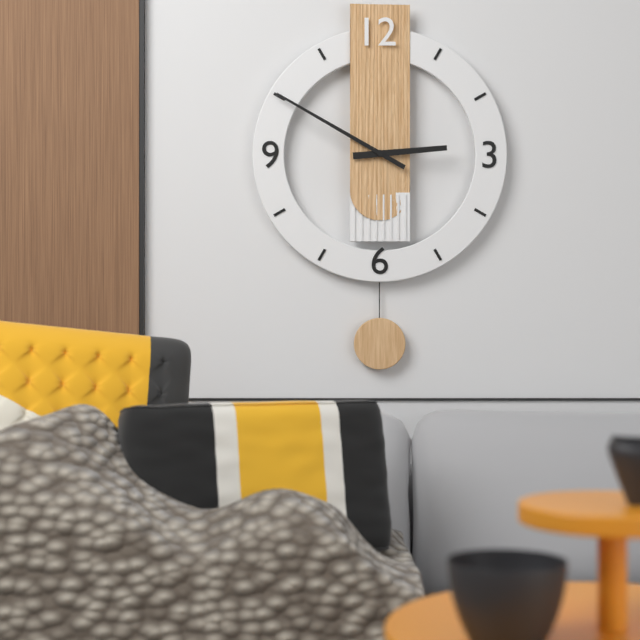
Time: **2:50**
